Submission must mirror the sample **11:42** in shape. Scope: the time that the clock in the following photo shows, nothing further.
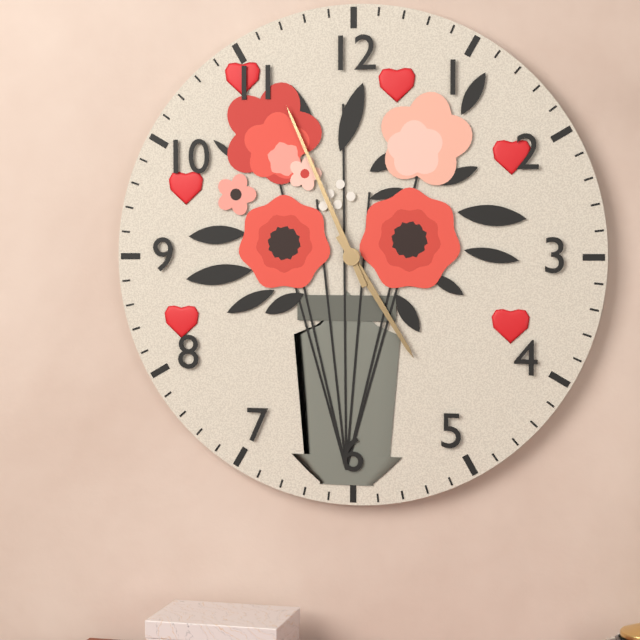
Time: **4:56**
